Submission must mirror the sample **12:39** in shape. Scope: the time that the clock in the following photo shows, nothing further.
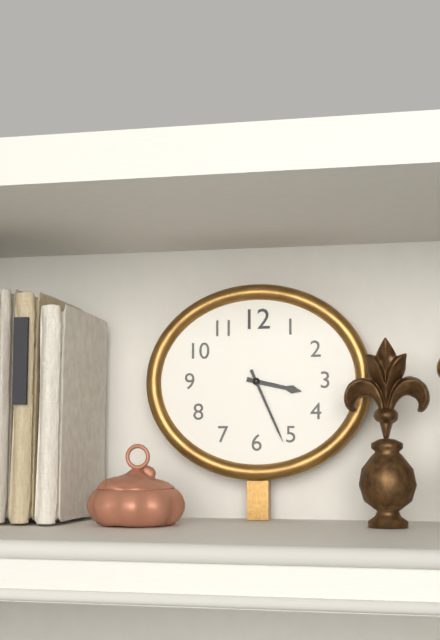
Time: **3:26**
